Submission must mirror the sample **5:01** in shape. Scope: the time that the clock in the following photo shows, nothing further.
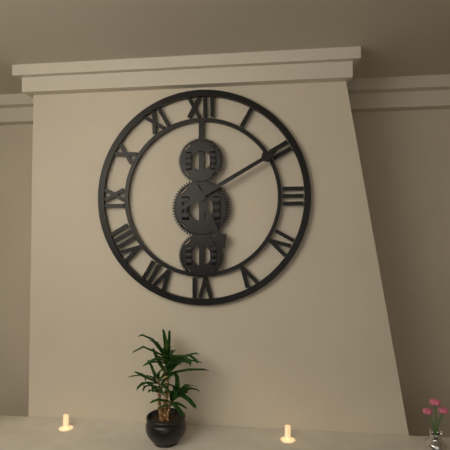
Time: **5:10**
